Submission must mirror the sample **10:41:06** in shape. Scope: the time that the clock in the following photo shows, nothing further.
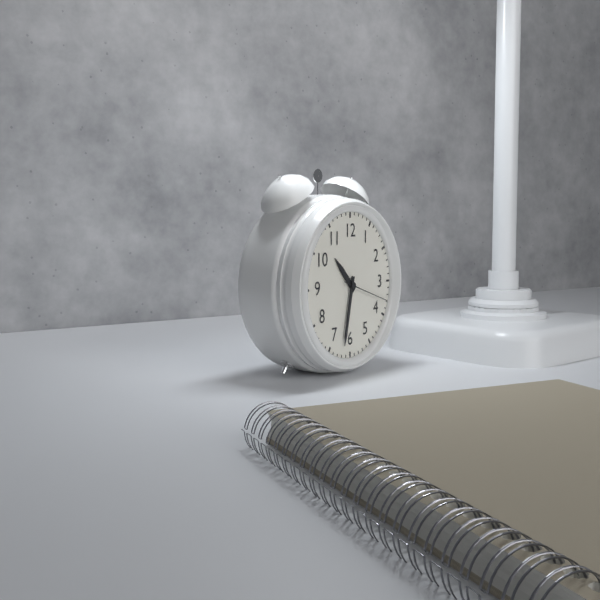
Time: **10:32:18**
